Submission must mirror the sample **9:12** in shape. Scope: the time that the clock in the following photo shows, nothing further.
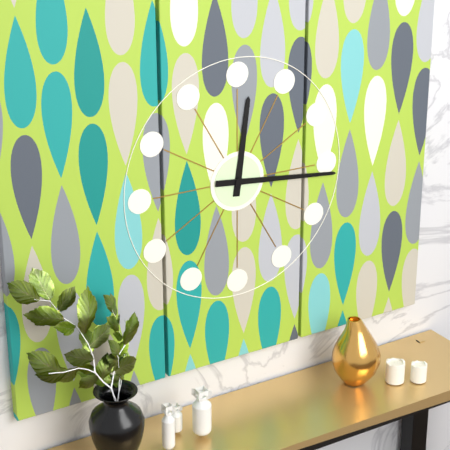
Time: **12:16**
